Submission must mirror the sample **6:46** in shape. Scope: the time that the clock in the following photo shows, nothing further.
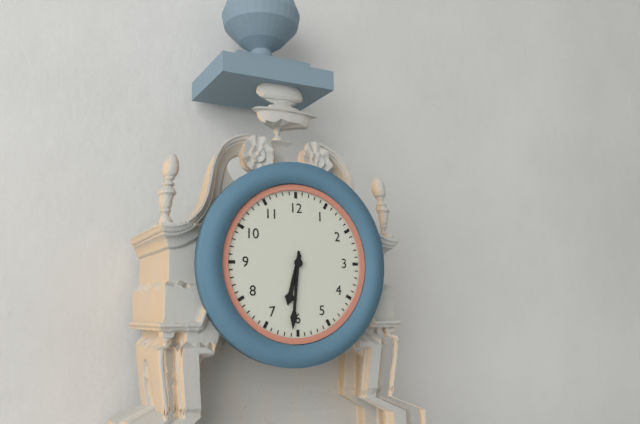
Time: **6:31**
